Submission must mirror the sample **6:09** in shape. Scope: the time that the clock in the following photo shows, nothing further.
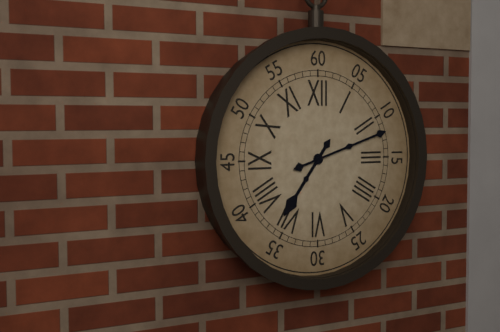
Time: **7:12**
